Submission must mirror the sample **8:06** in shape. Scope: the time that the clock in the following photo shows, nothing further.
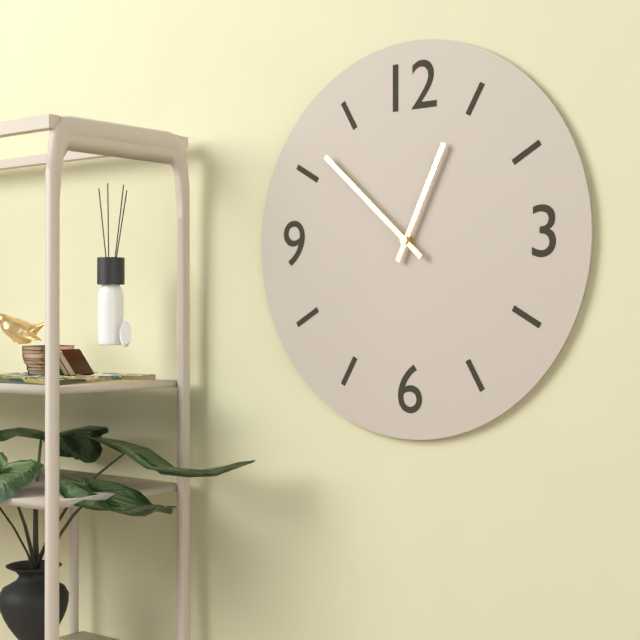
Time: **12:52**
